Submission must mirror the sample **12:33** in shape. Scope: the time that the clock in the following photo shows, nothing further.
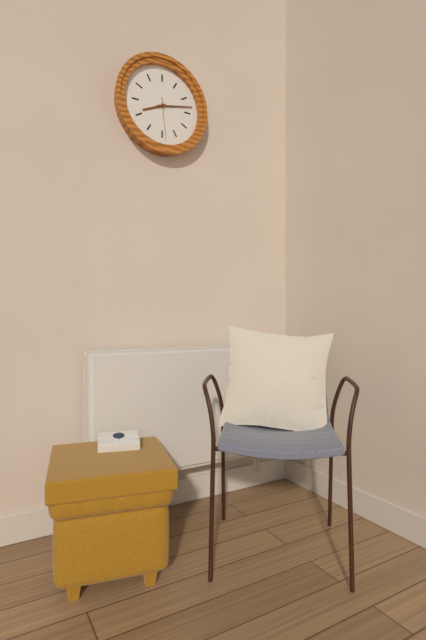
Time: **8:13**
